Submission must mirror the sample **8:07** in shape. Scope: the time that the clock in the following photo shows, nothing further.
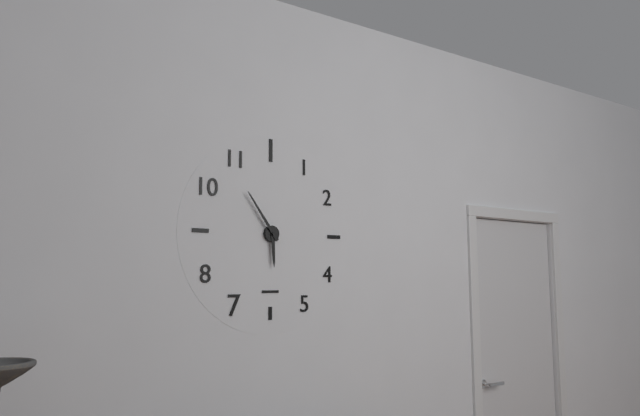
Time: **5:54**
